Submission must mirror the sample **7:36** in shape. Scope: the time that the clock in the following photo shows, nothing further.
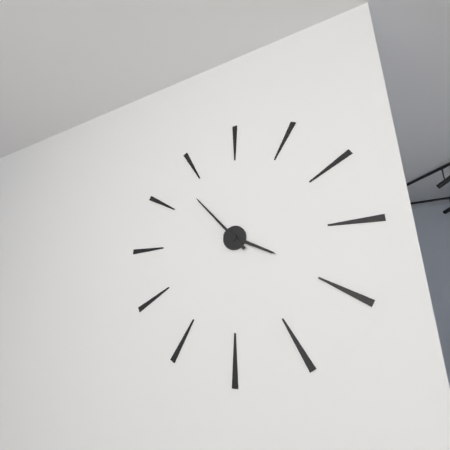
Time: **3:53**
